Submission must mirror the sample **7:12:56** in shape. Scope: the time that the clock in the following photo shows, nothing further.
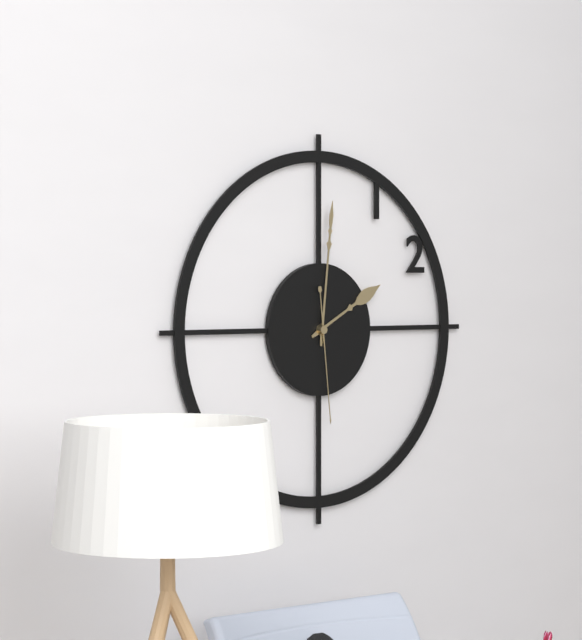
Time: **2:01:29**
